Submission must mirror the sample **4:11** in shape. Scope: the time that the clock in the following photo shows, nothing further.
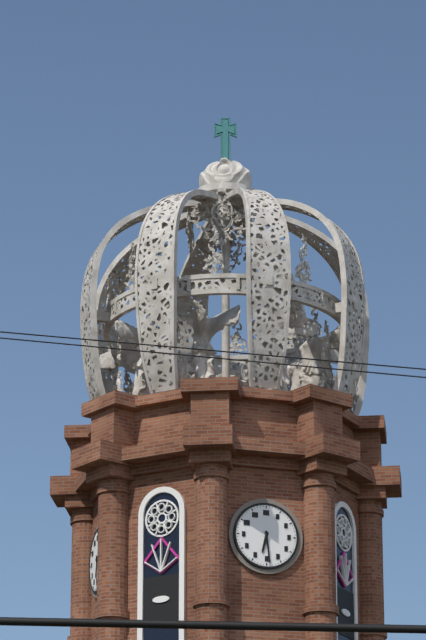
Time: **6:29**
